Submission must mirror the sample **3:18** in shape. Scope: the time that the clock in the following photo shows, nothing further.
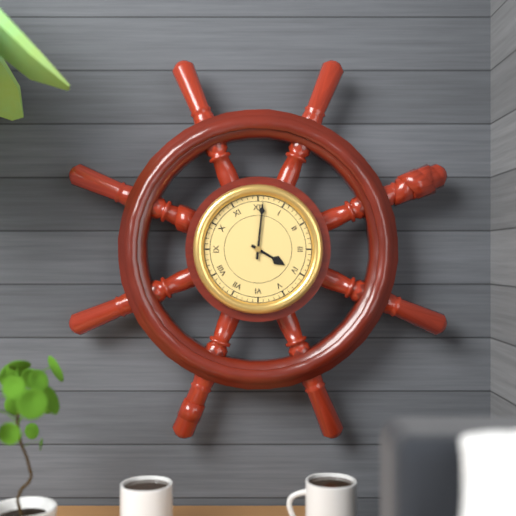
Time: **4:01**
